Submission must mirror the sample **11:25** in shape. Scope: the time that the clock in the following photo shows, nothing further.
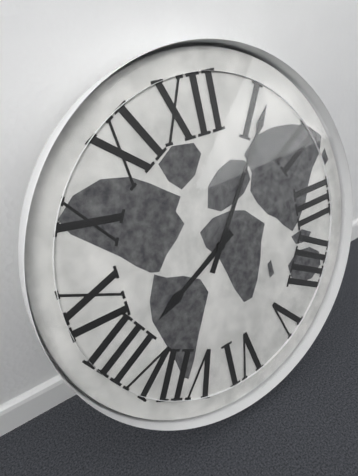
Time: **8:06**
